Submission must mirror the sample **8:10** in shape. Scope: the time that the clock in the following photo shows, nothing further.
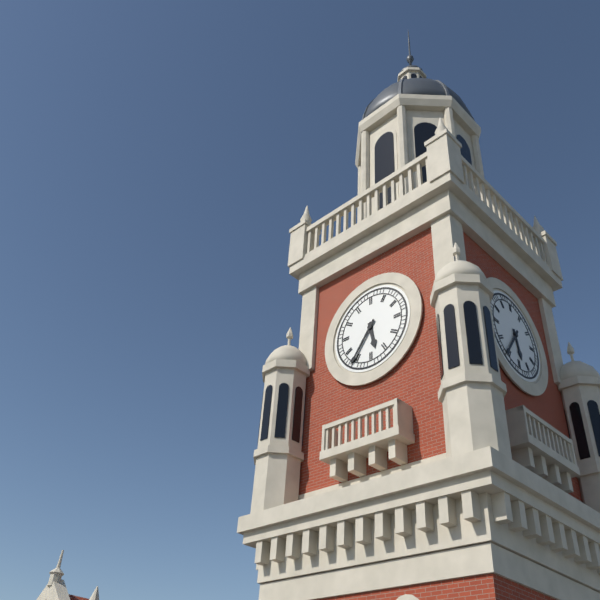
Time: **5:36**
